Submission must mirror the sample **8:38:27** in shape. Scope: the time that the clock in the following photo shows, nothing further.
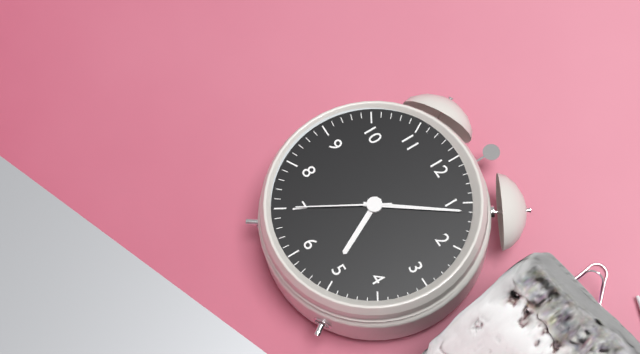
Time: **5:06:35**
